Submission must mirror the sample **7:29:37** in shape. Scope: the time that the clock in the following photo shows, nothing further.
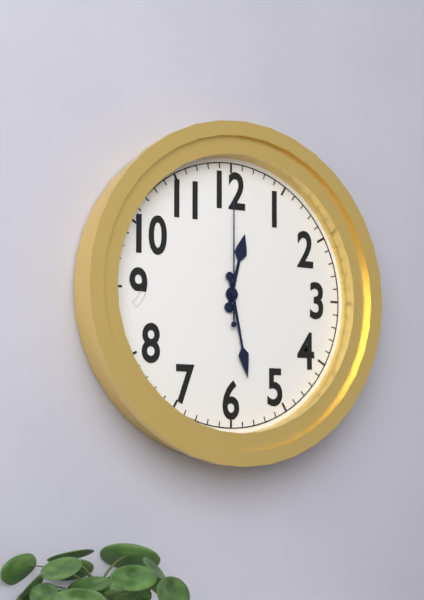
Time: **12:28:00**
